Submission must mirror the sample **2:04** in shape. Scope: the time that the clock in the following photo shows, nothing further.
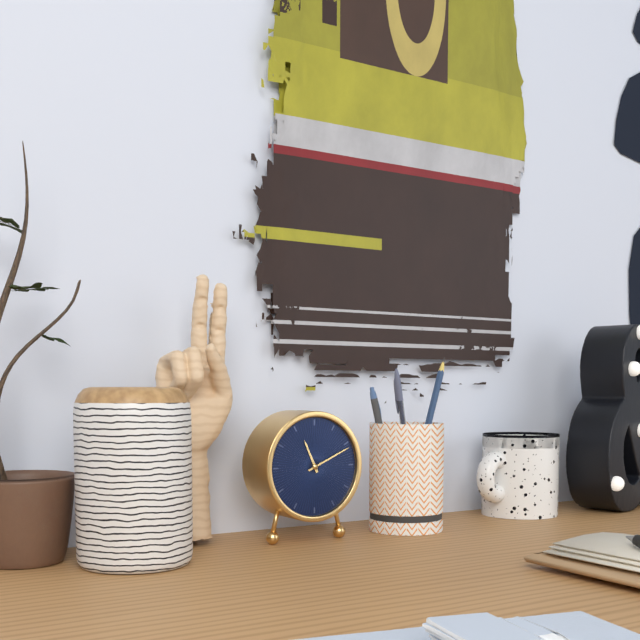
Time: **11:11**
